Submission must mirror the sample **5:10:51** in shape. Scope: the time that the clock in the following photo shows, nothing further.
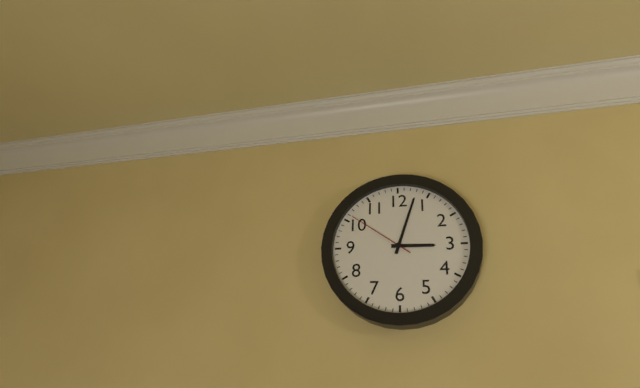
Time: **3:03:51**
